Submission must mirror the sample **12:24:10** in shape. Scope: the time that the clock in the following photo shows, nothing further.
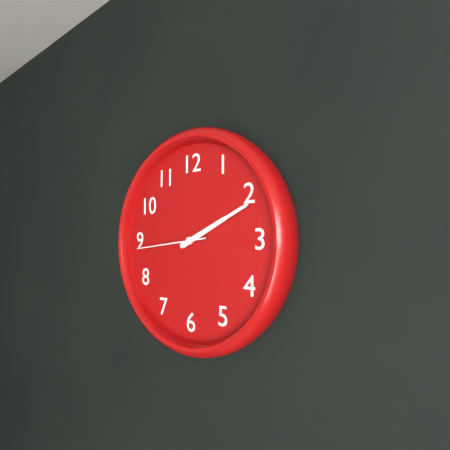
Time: **2:11:44**
